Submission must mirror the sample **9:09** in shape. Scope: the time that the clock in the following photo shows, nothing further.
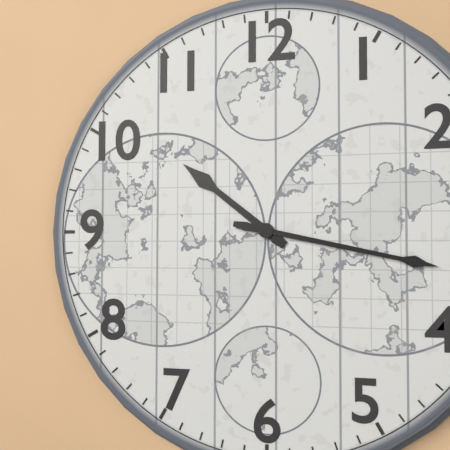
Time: **10:17**
